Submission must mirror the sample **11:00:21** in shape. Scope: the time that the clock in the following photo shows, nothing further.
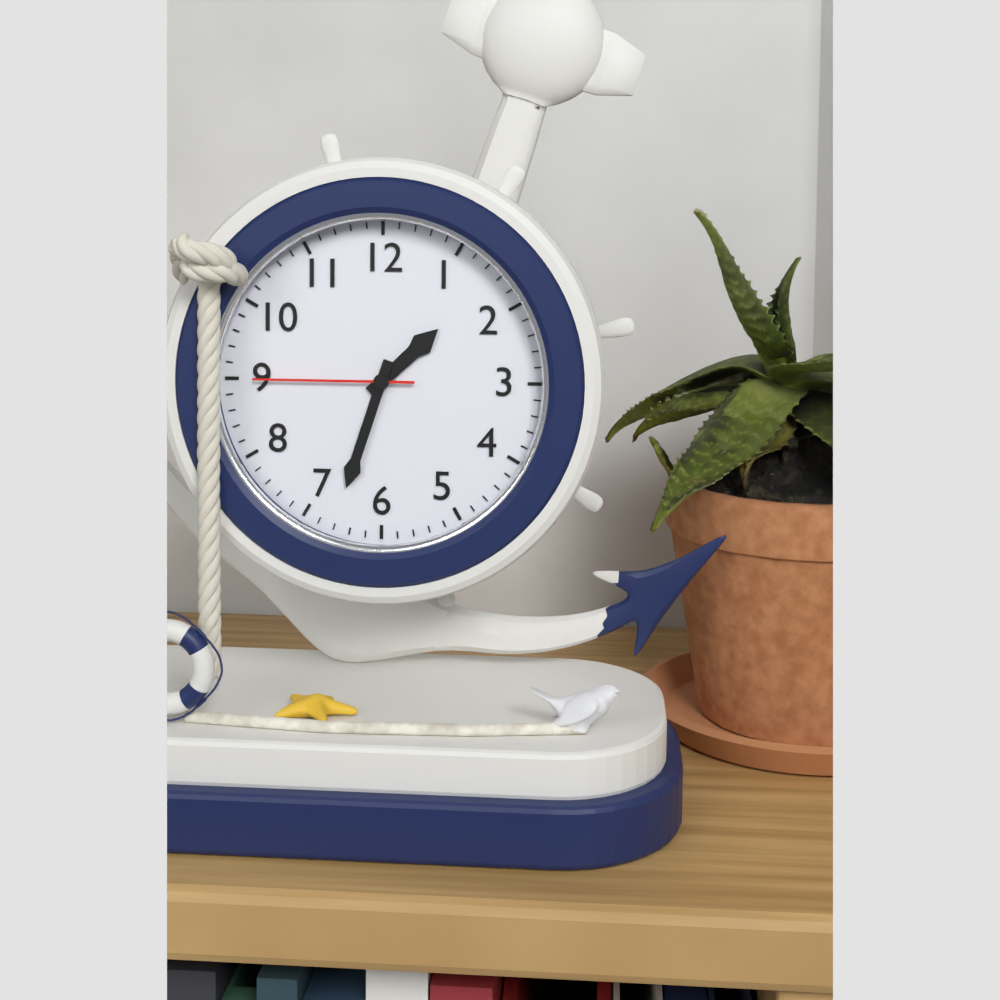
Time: **1:33:45**
